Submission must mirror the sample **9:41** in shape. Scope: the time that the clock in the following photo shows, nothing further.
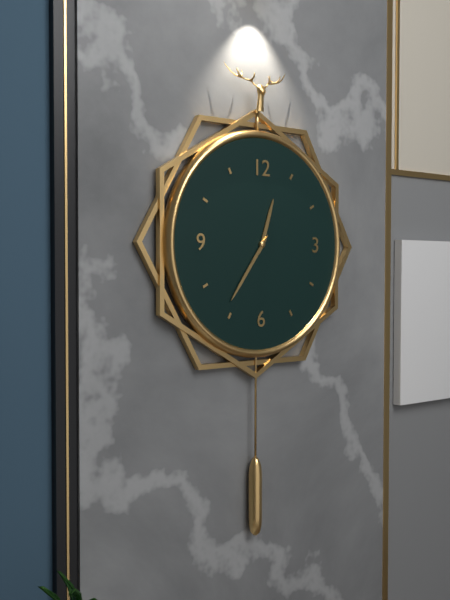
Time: **12:36**
